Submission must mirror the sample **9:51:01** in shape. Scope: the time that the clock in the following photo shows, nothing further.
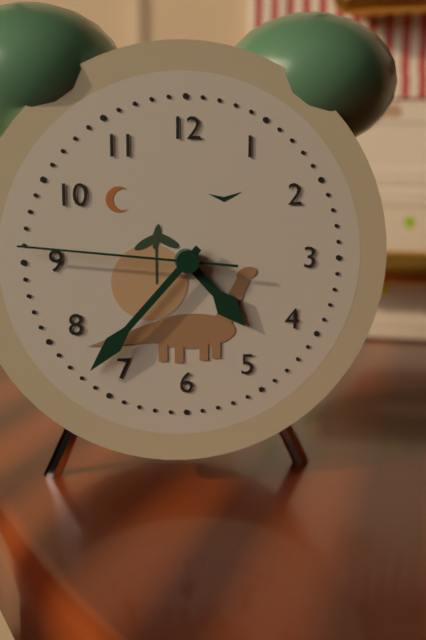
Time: **4:37:46**
